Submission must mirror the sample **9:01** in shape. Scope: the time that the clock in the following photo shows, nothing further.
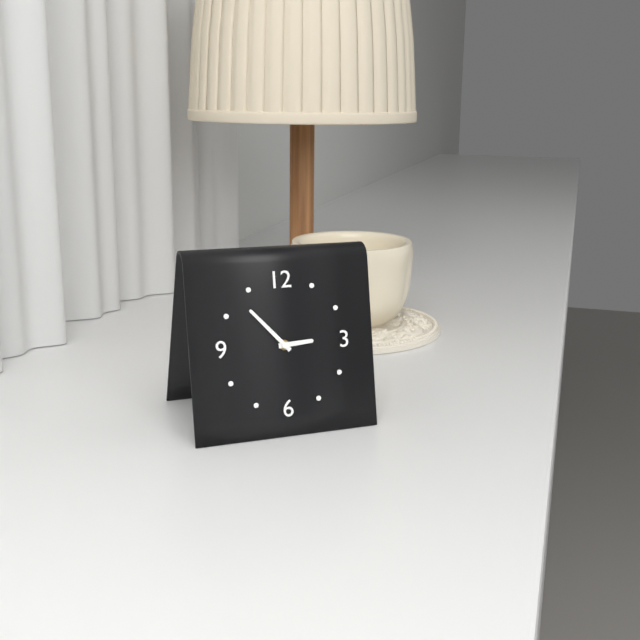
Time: **2:53**
